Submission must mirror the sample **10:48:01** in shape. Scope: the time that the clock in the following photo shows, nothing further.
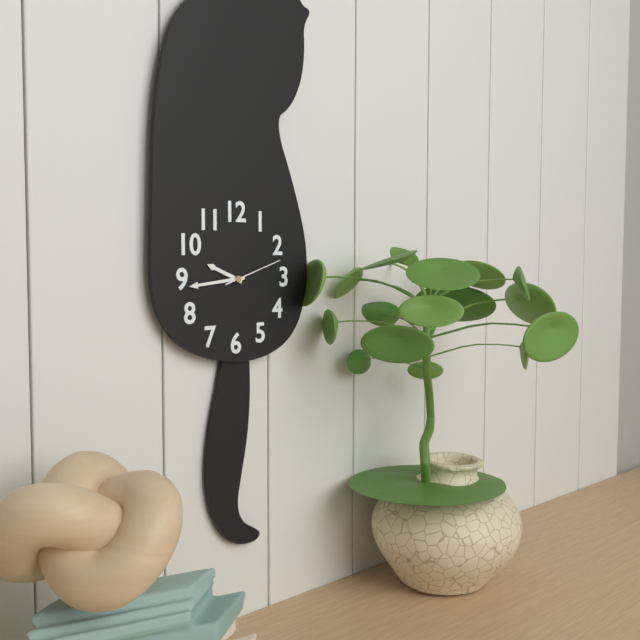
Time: **9:44:12**
